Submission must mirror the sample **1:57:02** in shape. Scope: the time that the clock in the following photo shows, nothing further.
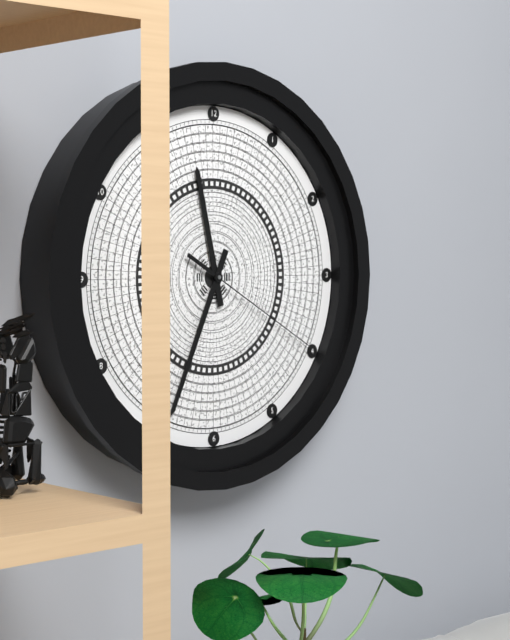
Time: **11:34:20**
